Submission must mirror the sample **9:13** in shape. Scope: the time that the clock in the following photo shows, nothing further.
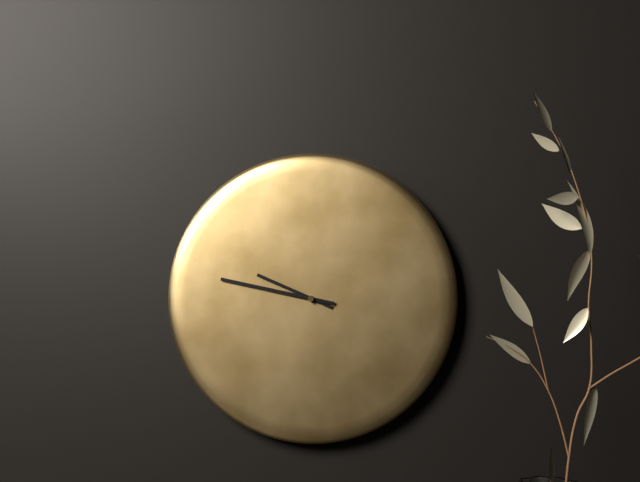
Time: **9:47**
